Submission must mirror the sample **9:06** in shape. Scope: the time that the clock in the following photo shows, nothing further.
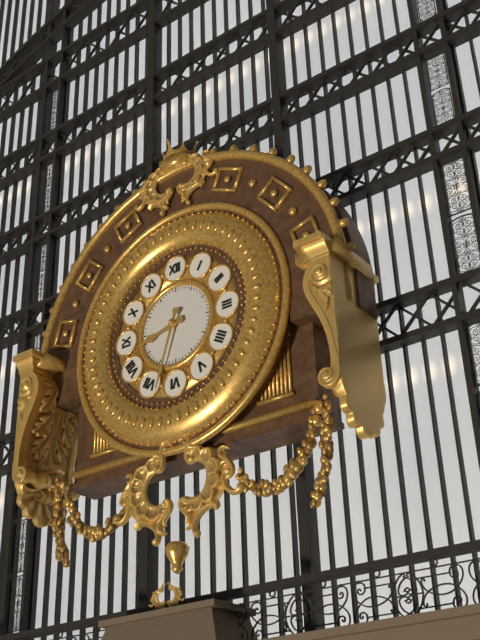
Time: **8:33**
